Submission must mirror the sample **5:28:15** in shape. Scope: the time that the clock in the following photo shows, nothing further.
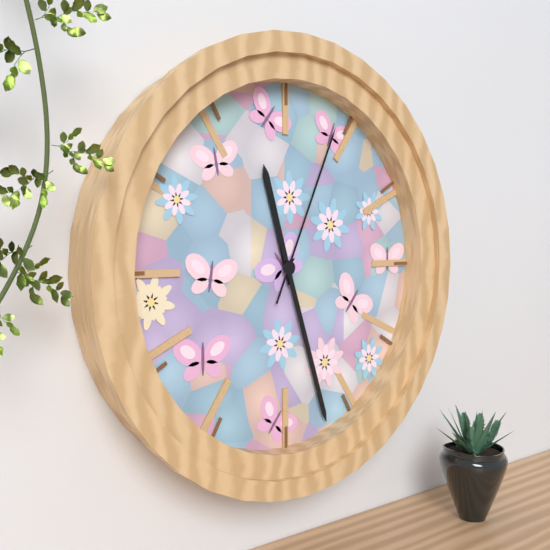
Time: **11:27:04**
